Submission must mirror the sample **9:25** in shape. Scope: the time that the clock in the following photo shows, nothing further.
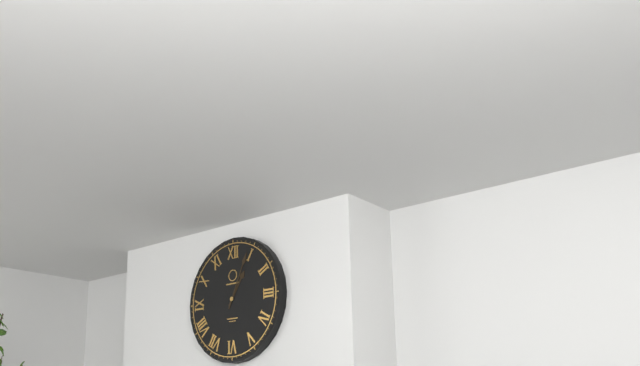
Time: **1:04**
